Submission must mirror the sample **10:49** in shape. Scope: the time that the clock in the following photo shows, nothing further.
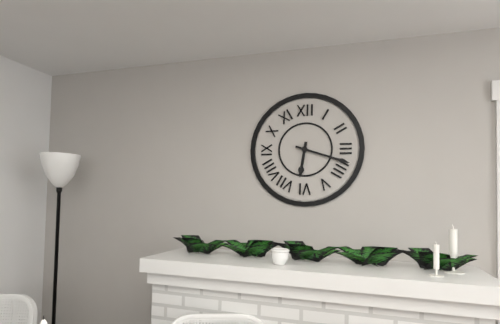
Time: **6:18**
